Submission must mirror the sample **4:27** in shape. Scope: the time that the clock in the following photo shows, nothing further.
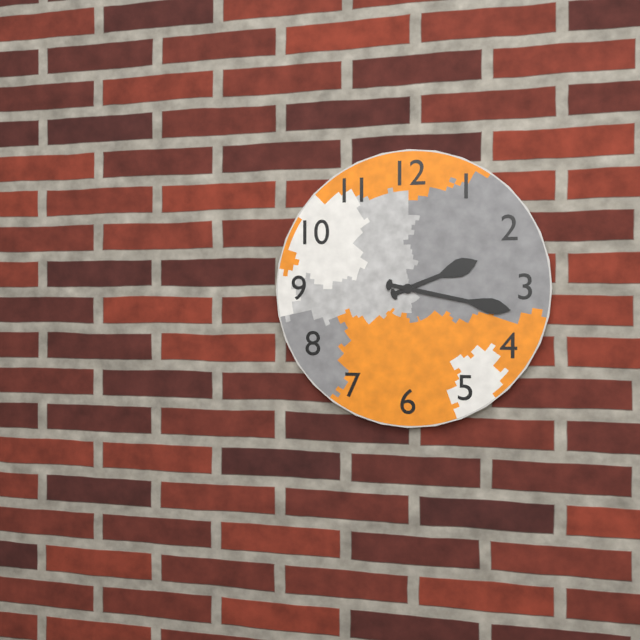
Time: **2:17**
